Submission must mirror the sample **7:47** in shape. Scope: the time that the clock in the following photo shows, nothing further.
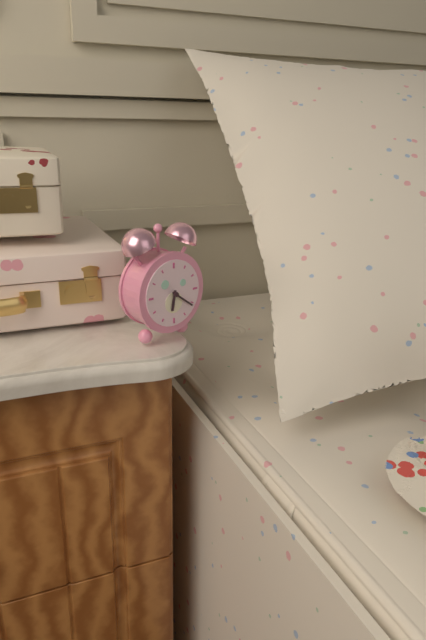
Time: **6:21**
